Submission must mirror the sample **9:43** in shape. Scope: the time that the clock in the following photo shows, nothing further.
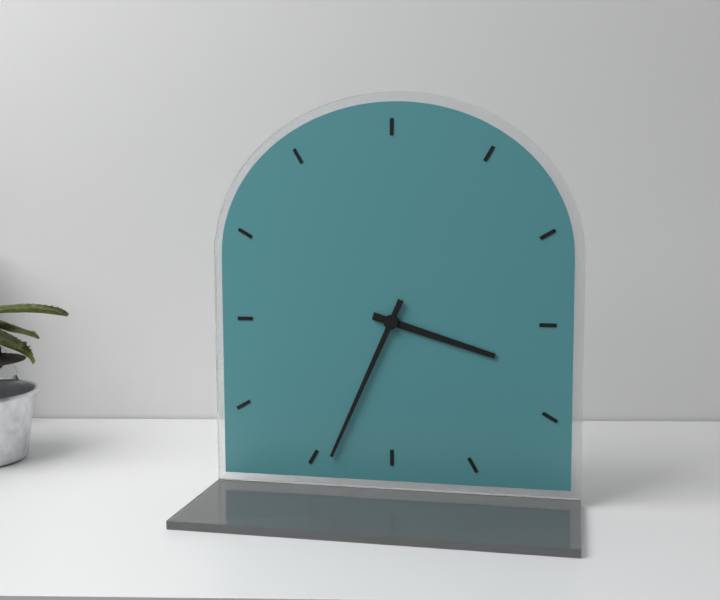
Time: **3:34**
